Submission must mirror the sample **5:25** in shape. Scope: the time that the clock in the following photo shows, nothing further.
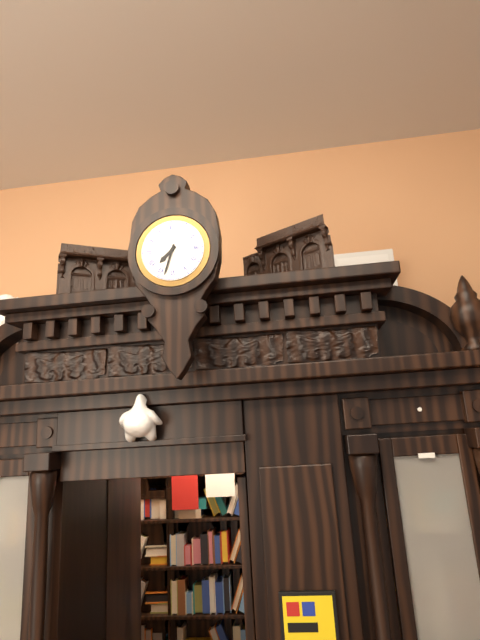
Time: **7:33**
